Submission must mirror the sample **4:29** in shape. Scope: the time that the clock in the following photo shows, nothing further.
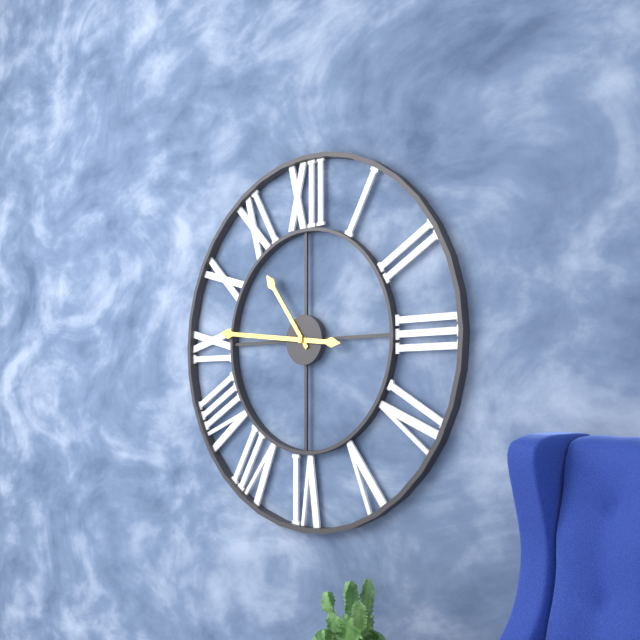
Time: **10:46**
